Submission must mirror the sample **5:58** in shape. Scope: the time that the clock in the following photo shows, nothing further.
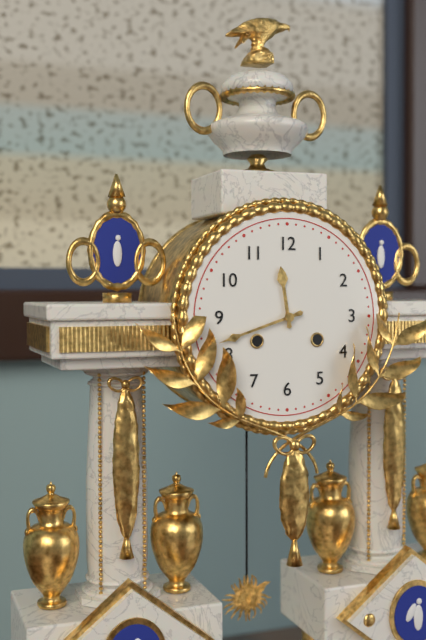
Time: **11:42**
